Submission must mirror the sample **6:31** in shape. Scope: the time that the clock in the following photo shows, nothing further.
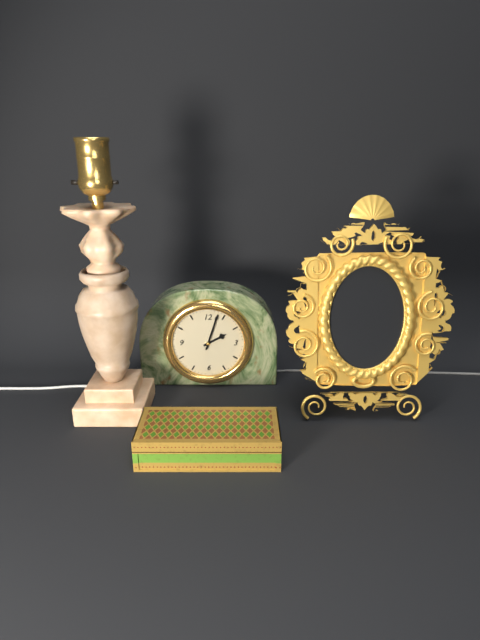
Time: **2:03**
